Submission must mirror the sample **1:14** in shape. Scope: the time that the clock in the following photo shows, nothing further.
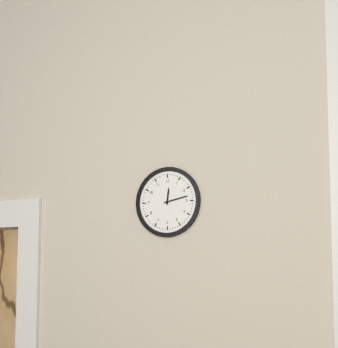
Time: **12:13**
